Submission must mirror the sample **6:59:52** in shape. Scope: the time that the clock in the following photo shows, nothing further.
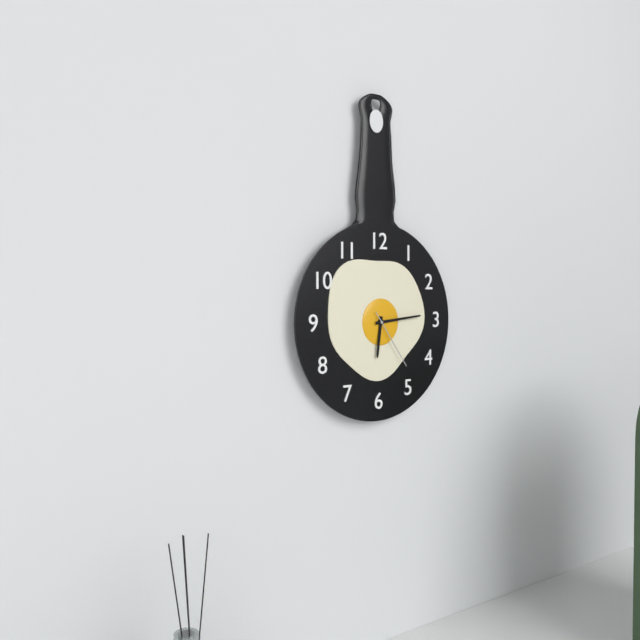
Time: **6:14:24**
